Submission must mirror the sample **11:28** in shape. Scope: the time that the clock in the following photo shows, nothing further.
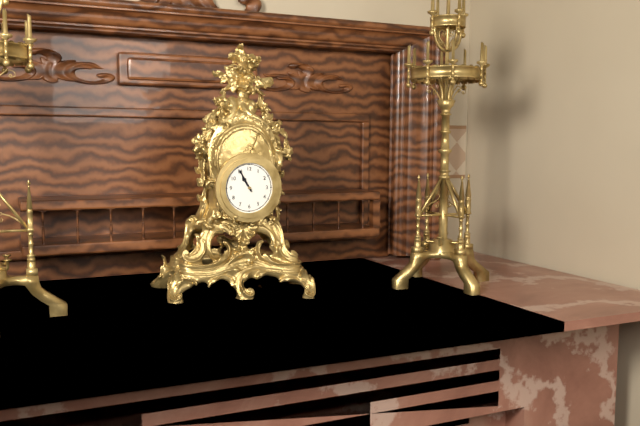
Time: **10:55**
